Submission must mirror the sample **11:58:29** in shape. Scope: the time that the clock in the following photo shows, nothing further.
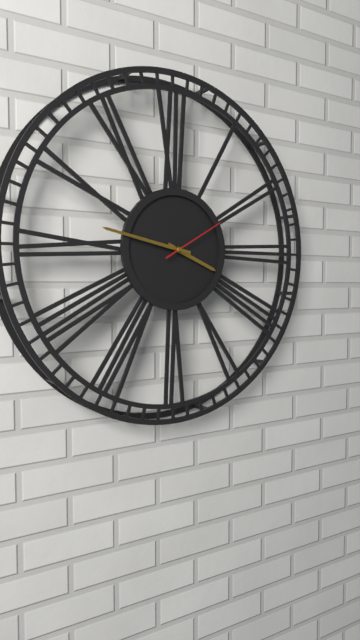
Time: **3:47:10**
